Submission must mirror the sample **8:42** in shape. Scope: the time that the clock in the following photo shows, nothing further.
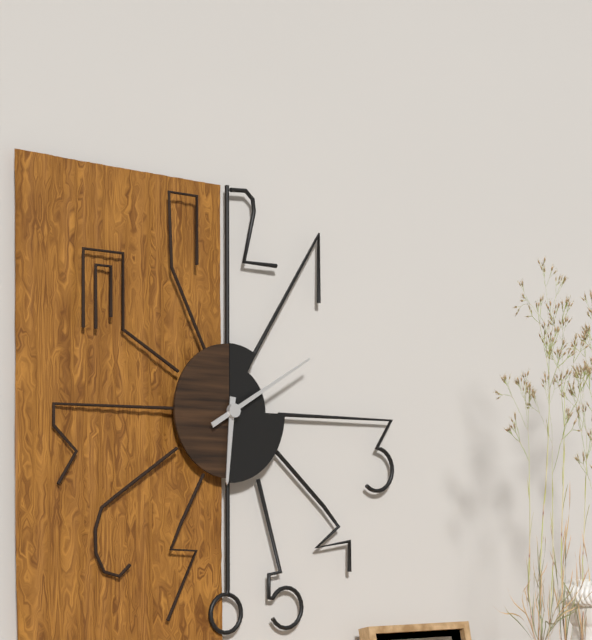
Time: **6:10**
